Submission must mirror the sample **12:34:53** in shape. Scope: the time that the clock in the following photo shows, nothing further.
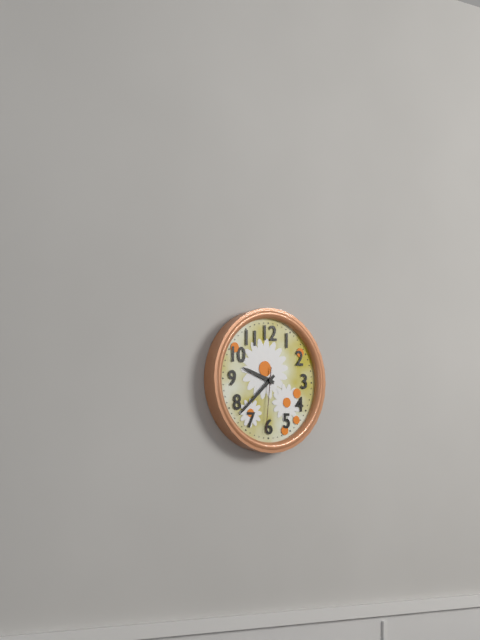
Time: **9:38:31**
